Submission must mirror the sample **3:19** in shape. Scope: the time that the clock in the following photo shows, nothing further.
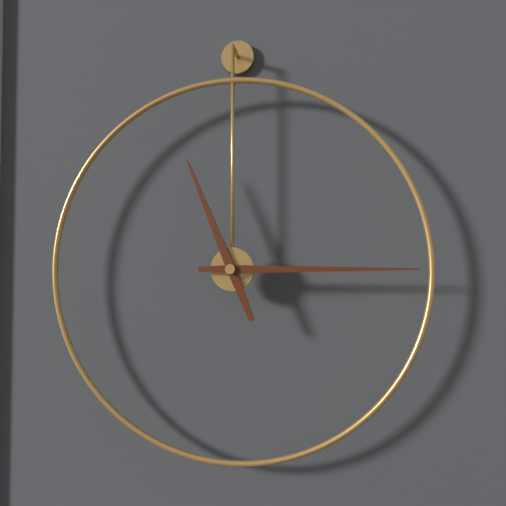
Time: **11:15**
